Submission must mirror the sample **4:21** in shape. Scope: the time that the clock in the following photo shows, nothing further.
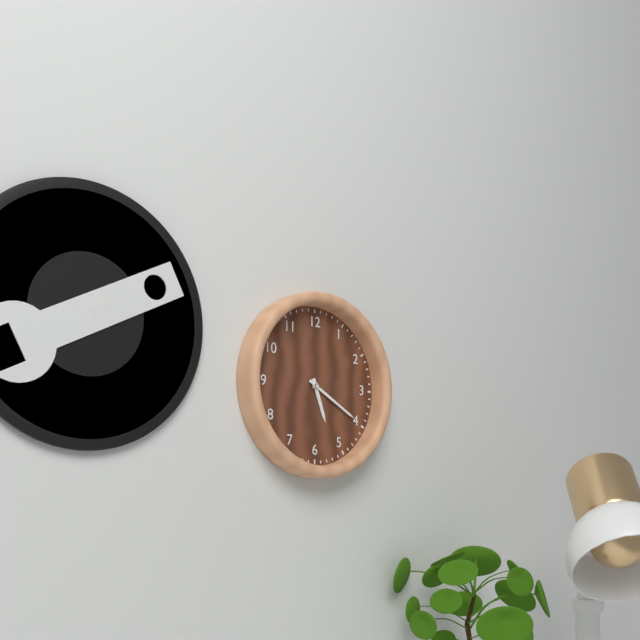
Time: **5:20**
